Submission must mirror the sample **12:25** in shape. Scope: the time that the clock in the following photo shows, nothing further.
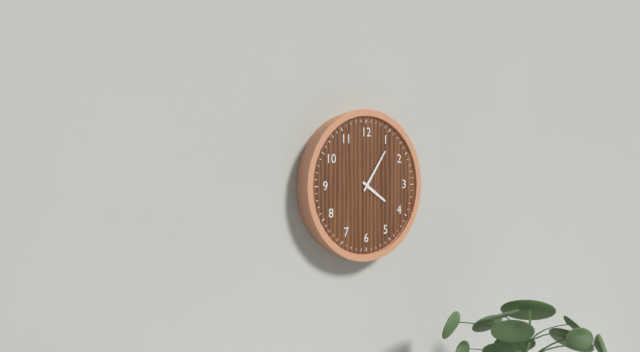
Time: **4:06**
